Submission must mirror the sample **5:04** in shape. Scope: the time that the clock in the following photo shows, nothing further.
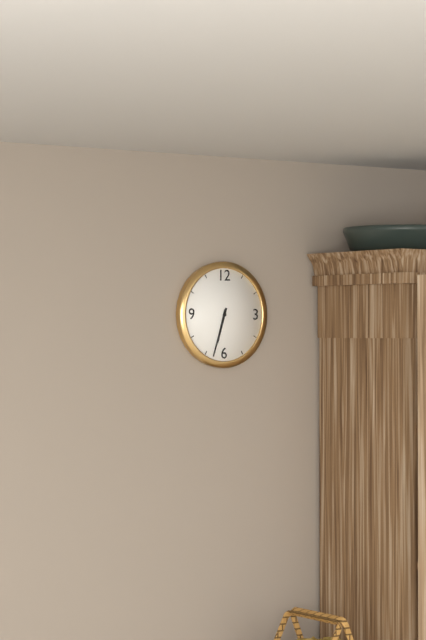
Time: **6:33**
